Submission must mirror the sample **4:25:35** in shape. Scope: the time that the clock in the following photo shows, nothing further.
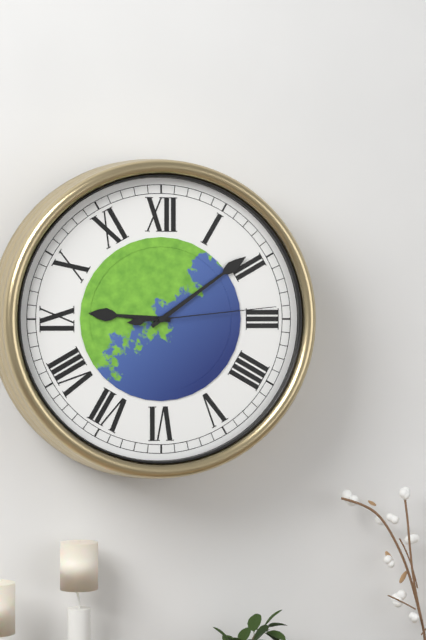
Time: **9:09:14**
